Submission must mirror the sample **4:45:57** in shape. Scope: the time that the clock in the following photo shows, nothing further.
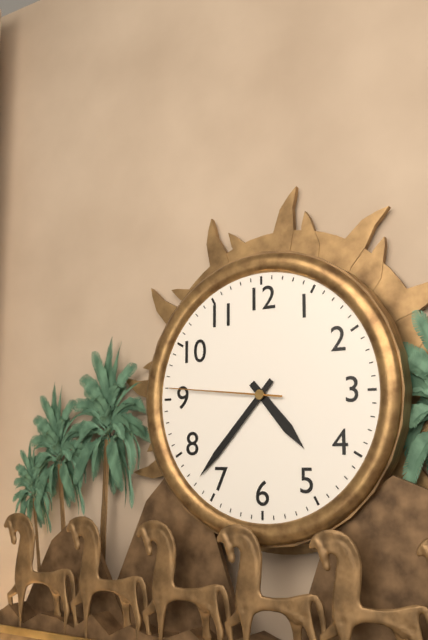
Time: **4:37:46**
